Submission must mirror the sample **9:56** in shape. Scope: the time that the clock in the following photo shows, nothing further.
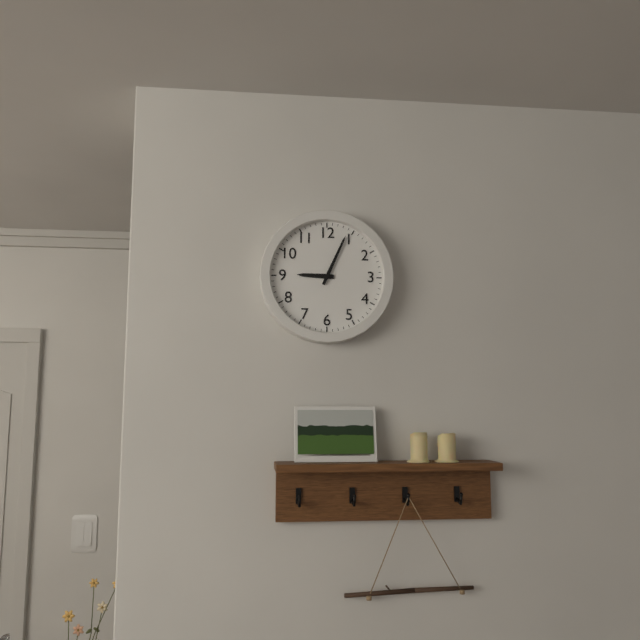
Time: **9:04**
